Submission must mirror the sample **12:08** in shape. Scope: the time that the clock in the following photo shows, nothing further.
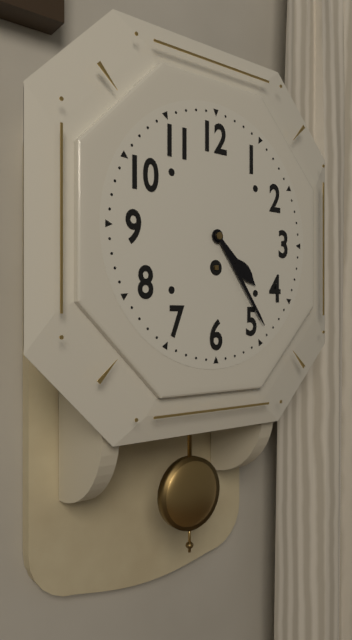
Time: **4:24**
